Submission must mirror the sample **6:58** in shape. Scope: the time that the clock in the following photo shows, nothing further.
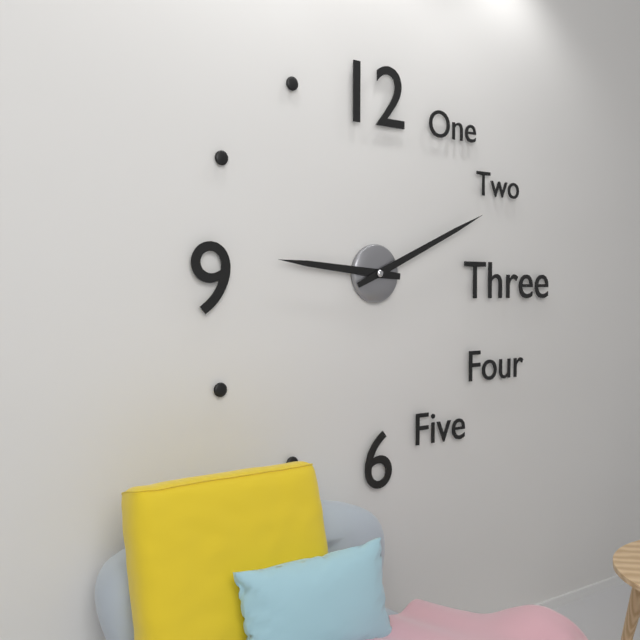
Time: **9:11**
